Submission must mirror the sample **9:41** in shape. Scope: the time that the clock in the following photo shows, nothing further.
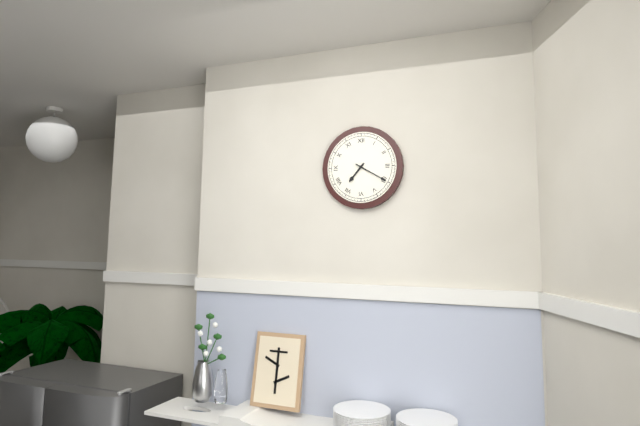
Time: **7:20**
